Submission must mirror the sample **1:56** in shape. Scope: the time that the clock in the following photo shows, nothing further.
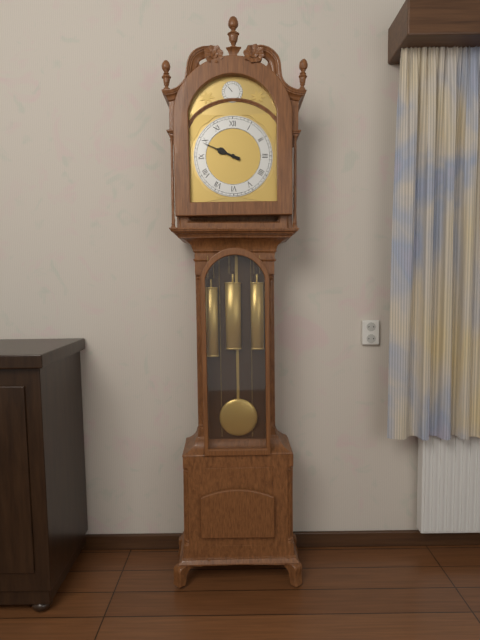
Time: **9:49**
